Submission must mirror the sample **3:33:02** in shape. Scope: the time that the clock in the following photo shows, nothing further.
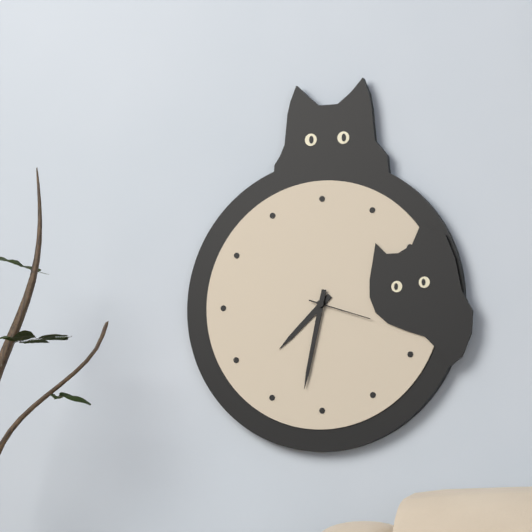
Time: **7:32:18**
